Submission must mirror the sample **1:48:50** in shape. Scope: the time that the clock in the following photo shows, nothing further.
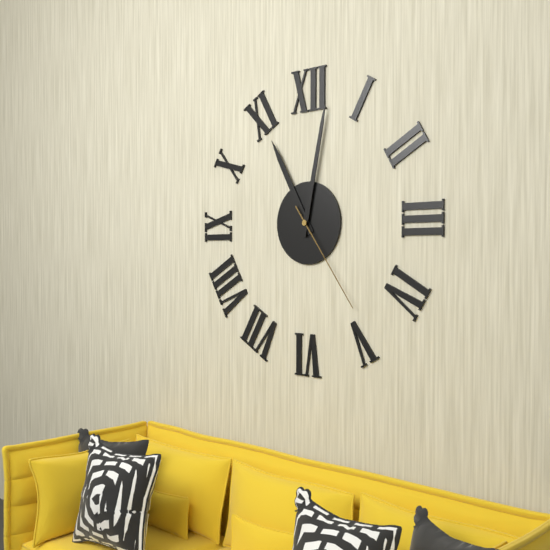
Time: **11:02:24**
